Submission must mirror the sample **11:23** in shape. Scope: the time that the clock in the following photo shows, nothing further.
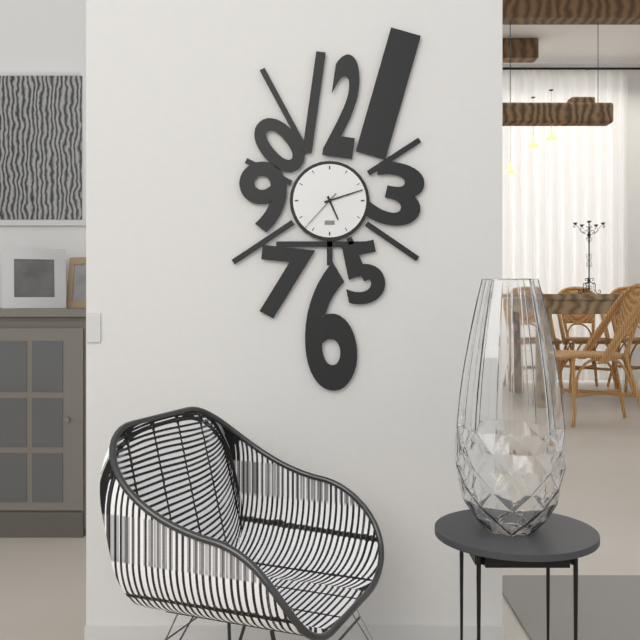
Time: **5:12**
